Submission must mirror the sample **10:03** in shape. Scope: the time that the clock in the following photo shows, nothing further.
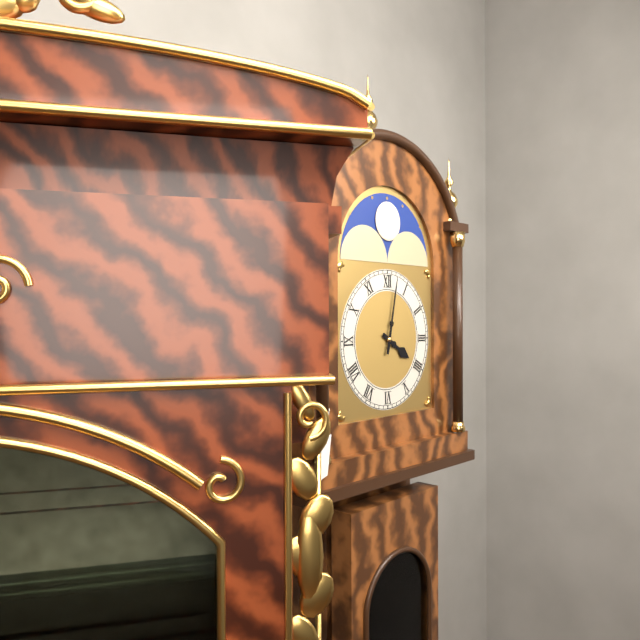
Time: **4:02**
